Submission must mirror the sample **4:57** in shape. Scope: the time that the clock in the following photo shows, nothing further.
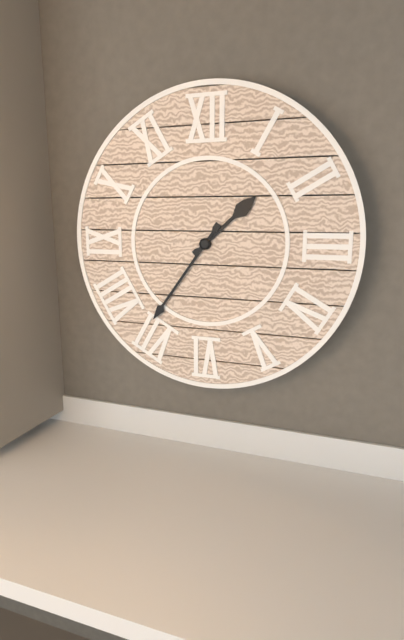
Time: **1:36**
